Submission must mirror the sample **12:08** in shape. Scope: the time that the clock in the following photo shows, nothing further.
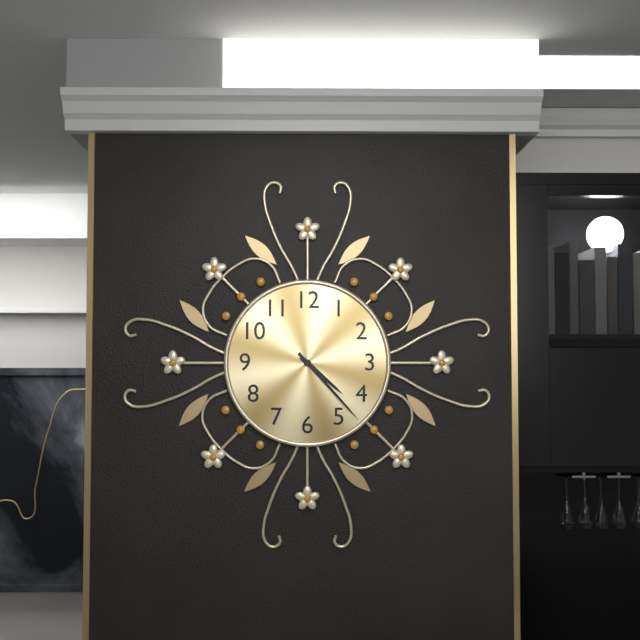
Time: **4:23**
